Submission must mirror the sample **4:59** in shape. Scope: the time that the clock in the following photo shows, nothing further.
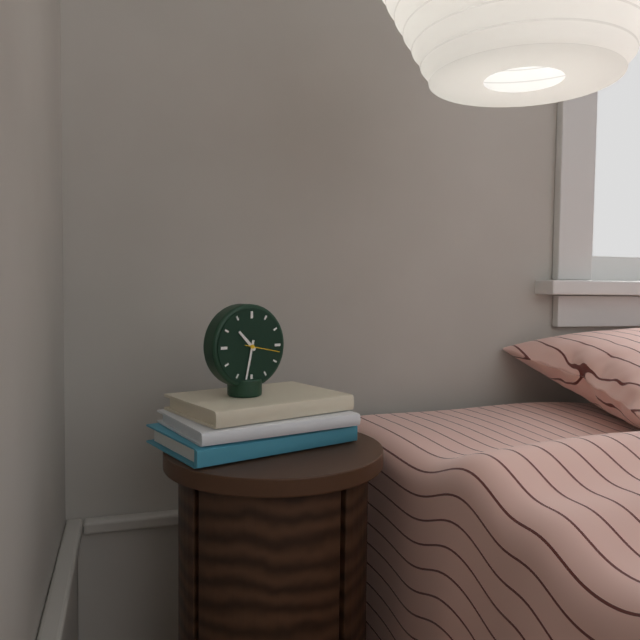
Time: **10:32**
